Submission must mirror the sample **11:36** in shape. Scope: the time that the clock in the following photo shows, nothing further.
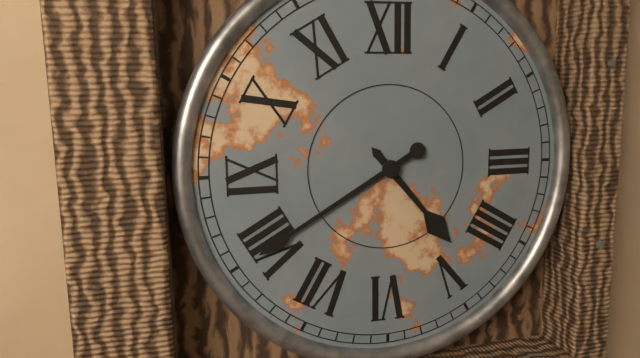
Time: **4:40**
